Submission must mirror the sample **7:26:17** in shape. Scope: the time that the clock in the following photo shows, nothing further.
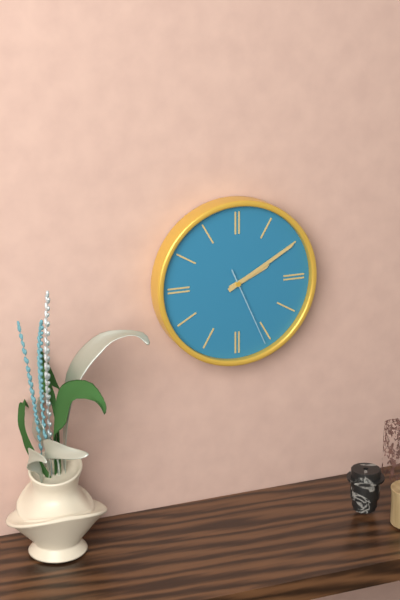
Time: **2:10:26**
